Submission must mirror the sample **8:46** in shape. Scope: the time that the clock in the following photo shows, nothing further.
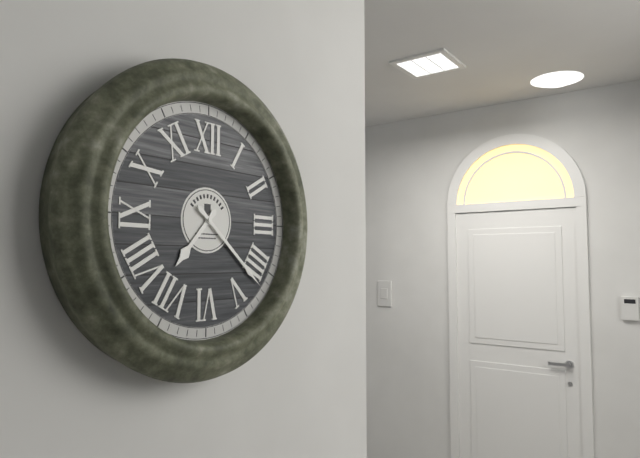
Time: **7:22**
